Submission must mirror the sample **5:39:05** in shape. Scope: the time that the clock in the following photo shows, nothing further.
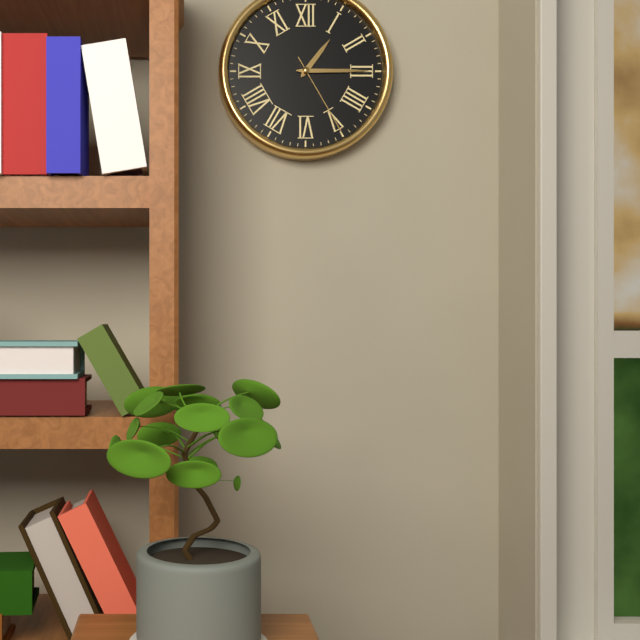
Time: **1:15:25**
